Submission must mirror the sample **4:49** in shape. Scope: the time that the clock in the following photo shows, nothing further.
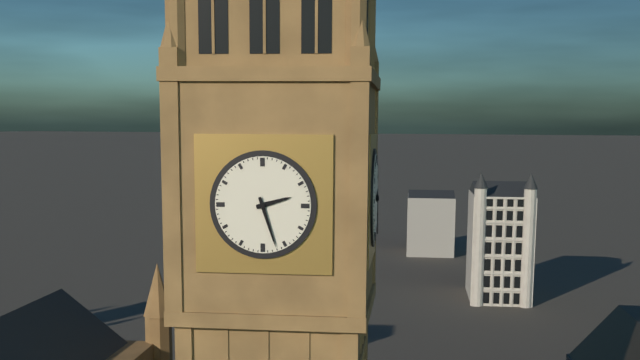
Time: **2:27**
